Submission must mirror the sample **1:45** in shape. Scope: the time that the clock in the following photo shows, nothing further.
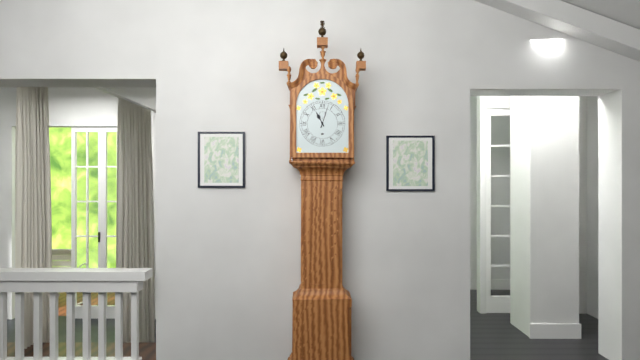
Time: **11:03**
